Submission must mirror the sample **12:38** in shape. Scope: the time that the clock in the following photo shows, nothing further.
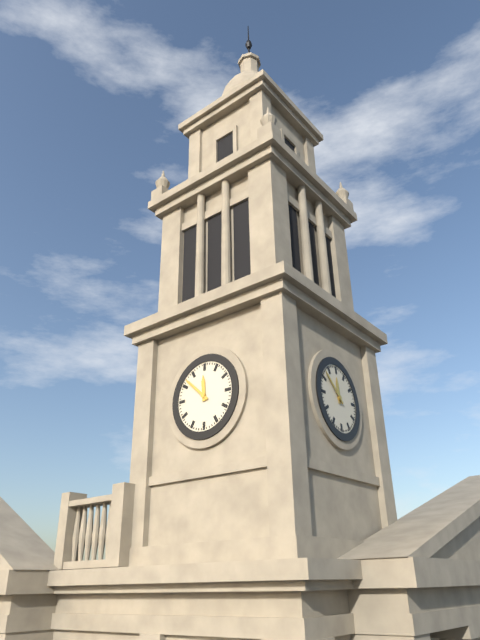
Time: **11:52**
